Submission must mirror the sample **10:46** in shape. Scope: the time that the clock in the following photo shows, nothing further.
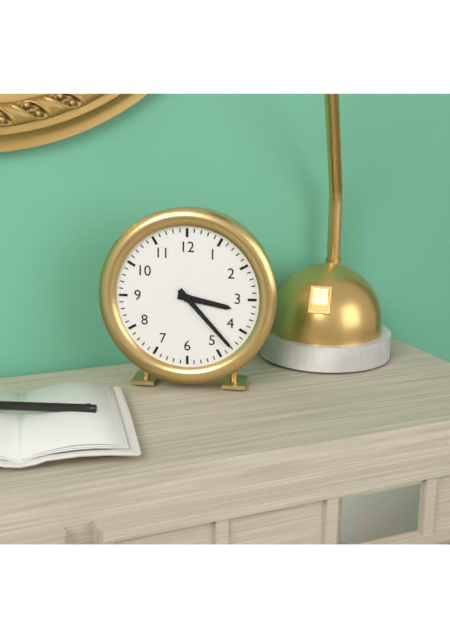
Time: **3:23**
